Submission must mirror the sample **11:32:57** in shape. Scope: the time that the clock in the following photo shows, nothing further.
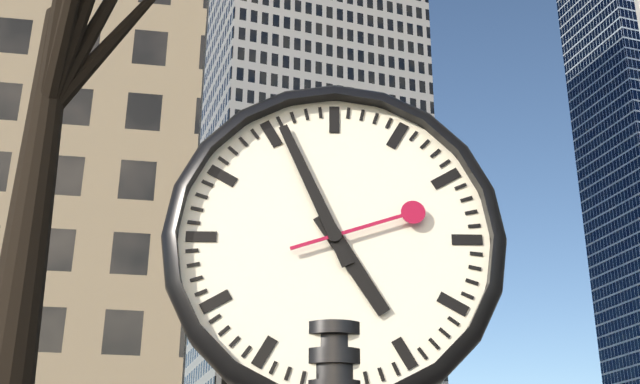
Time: **4:56:12**
